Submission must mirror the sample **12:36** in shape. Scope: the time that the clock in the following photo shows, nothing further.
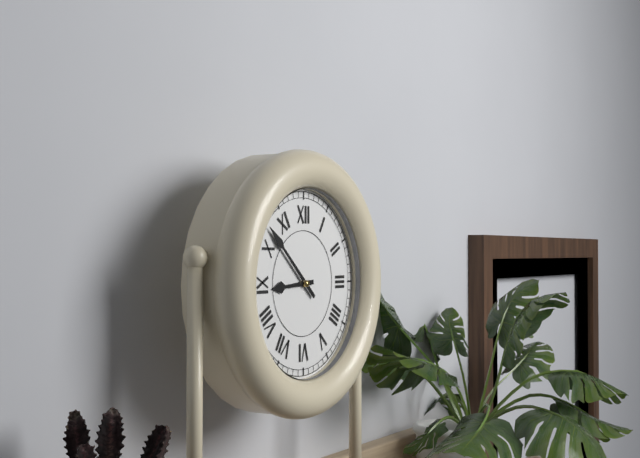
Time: **8:52**
